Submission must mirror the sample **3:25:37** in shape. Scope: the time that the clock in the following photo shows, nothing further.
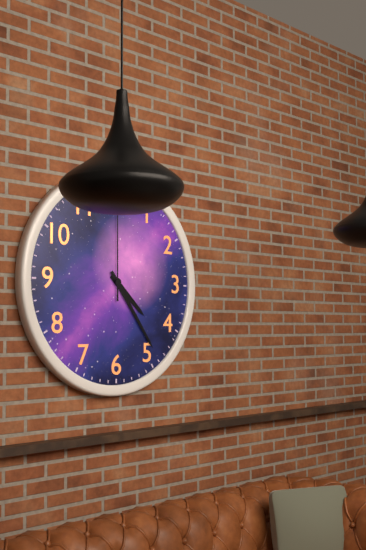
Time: **4:24:00**
